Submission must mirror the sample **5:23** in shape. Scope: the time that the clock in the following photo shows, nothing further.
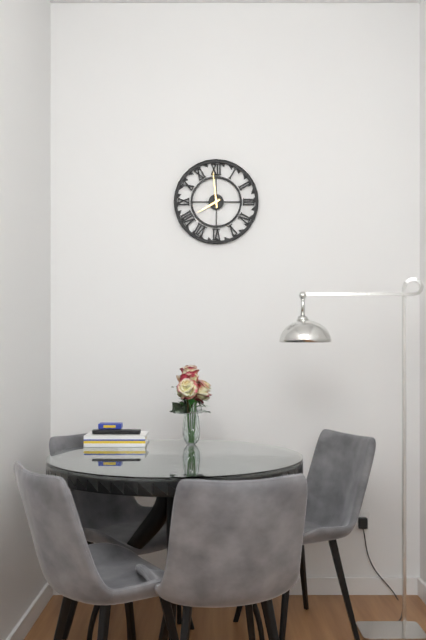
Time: **7:59**
